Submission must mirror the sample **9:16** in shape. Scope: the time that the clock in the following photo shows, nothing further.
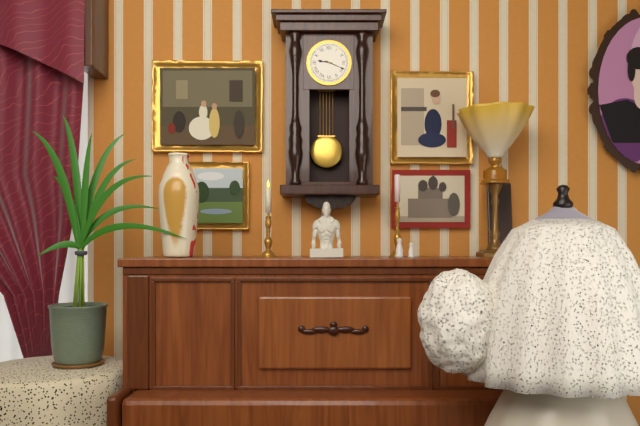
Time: **9:19**
